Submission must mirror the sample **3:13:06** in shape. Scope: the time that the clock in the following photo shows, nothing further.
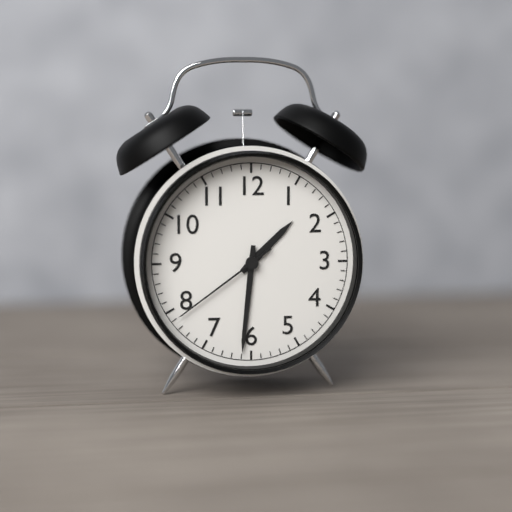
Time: **1:31:39**
